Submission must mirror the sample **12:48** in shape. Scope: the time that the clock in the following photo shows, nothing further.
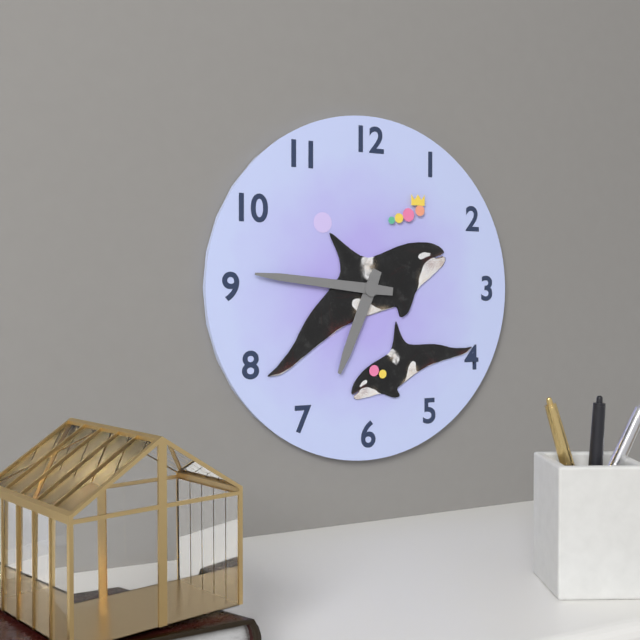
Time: **6:46**
